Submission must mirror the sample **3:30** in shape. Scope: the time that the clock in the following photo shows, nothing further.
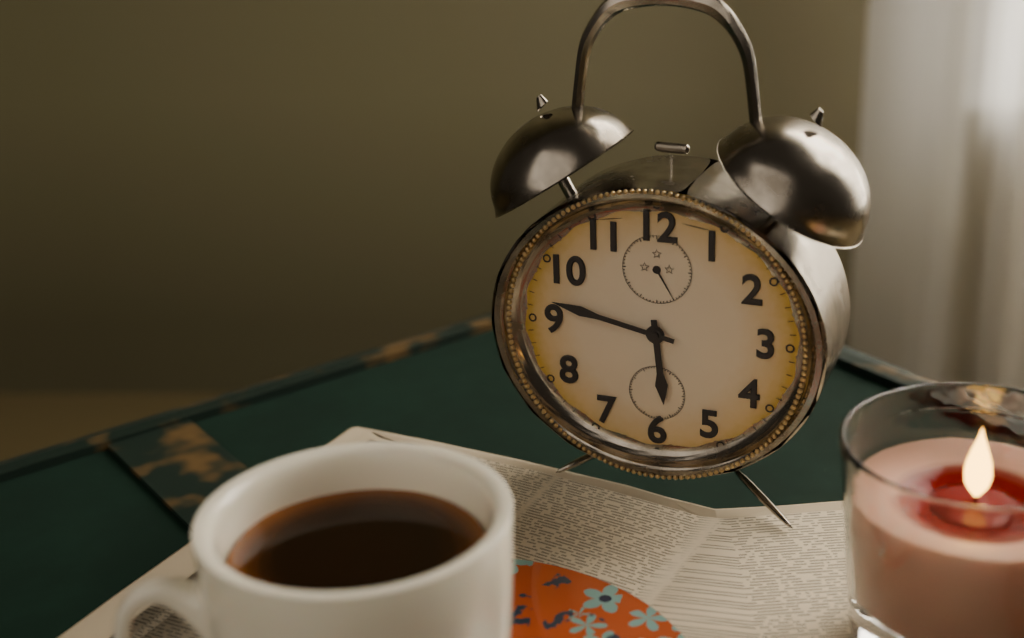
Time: **5:47**
